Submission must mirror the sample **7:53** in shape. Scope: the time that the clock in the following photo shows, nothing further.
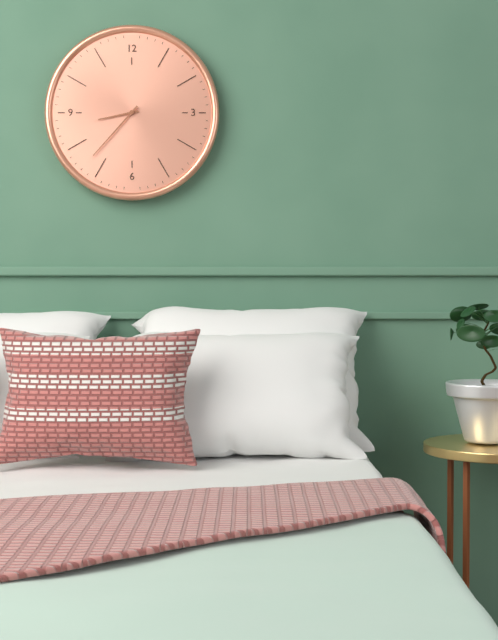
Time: **8:37**
